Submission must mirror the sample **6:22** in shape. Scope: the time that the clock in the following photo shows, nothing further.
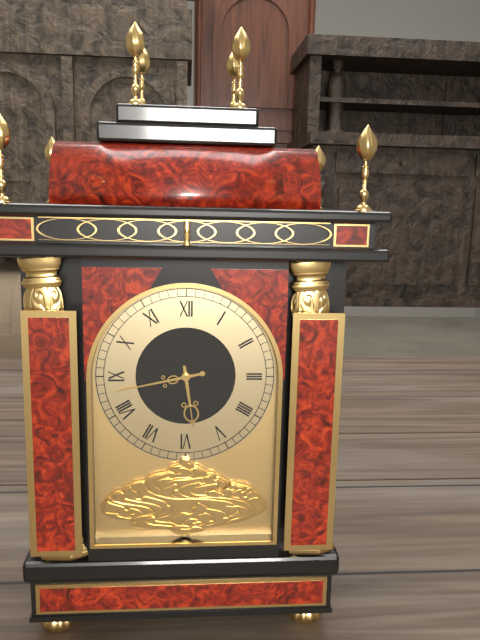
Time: **5:43**
